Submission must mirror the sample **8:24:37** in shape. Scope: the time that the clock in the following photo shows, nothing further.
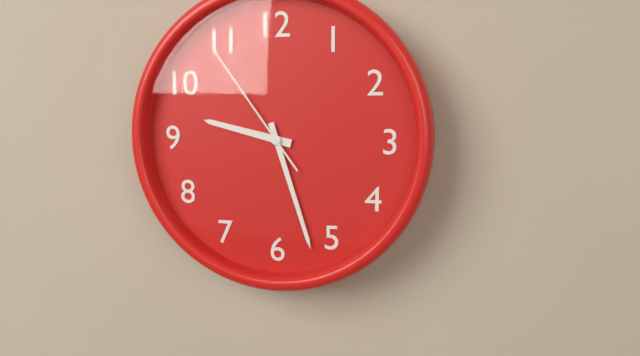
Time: **9:27:54**
